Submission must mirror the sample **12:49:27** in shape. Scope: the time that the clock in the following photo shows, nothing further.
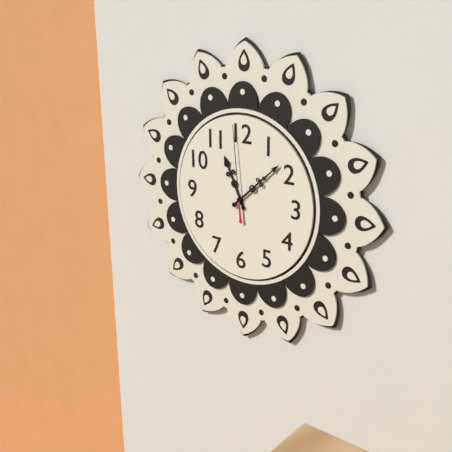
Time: **11:08:59**
